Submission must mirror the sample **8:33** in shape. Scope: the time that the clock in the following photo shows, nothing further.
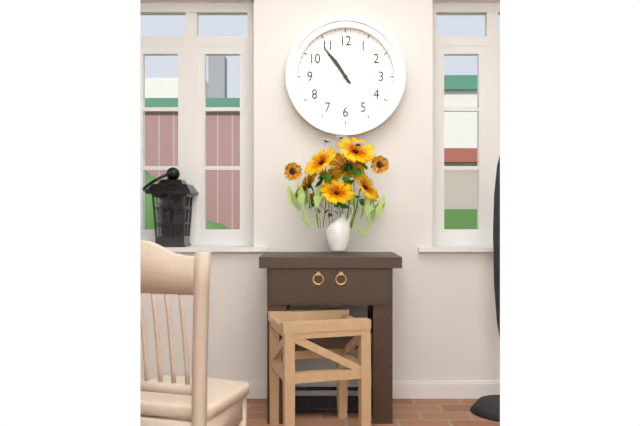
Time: **10:54**
